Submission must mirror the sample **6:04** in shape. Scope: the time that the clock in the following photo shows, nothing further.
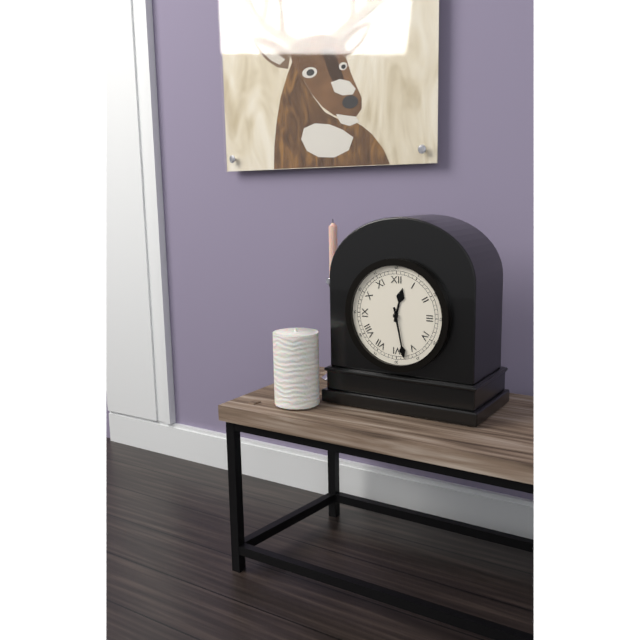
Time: **12:28**
